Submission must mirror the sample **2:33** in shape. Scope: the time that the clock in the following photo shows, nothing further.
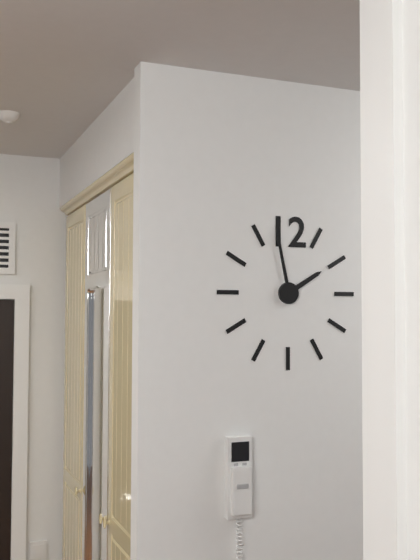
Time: **1:58**
